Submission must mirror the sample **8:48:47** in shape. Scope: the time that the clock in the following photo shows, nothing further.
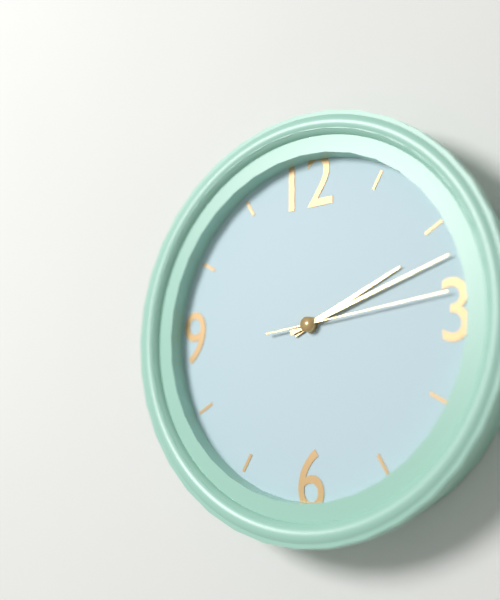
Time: **2:12:14**
